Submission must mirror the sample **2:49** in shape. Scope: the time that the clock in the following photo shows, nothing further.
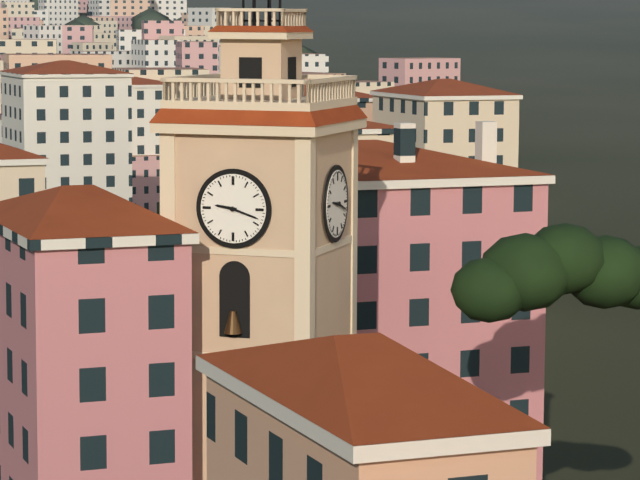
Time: **9:18**
